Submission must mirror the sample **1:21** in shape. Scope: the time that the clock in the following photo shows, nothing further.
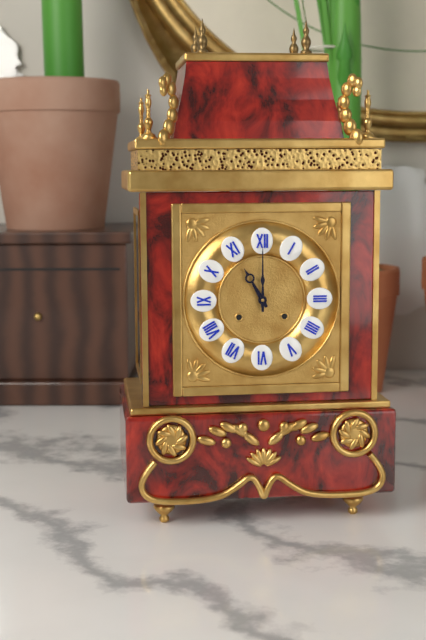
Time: **11:00**
